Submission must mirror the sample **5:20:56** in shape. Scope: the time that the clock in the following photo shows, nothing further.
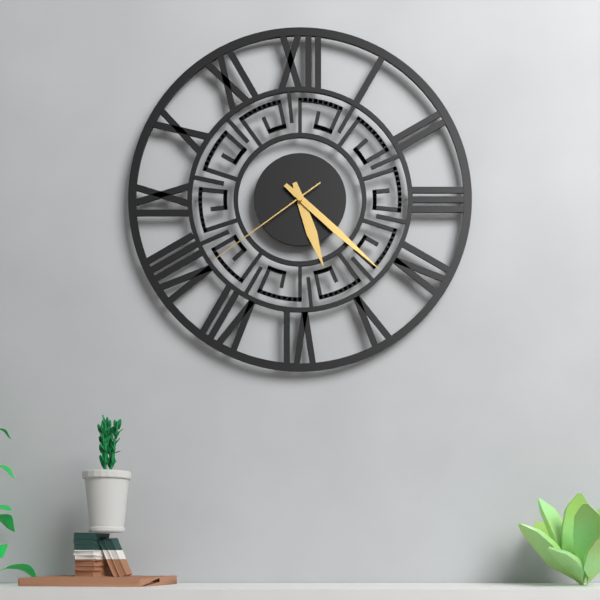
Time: **5:22:39**
